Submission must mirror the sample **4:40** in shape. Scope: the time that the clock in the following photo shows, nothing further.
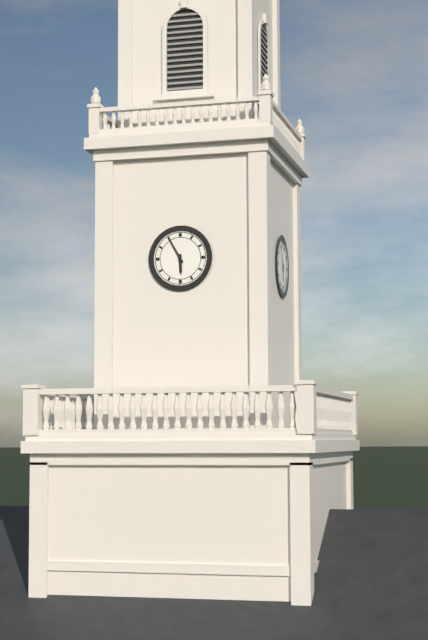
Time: **5:55**
